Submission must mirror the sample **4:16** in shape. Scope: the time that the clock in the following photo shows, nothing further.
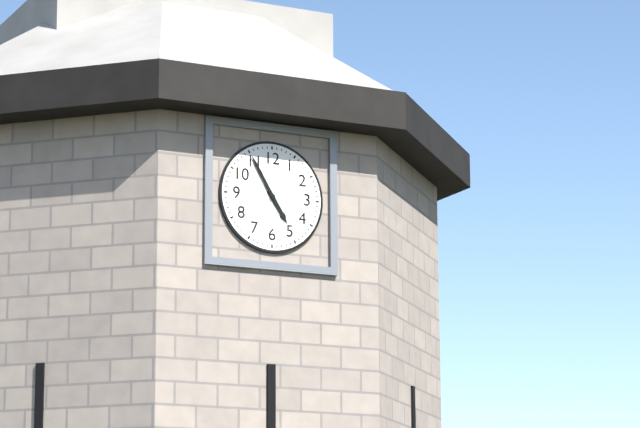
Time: **4:55**
